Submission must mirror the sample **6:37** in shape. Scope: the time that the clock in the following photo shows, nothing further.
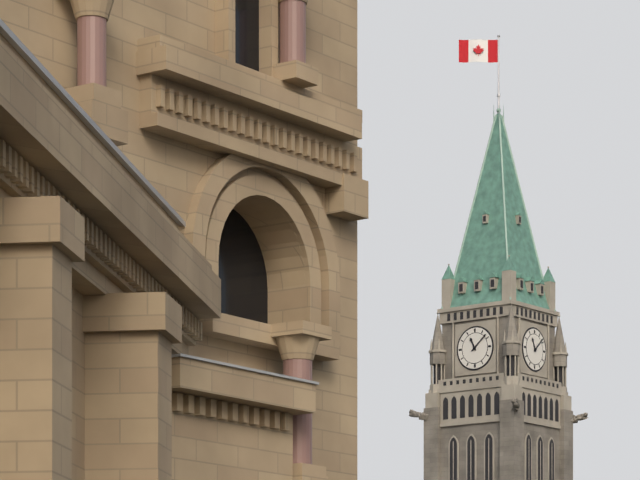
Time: **11:08**
